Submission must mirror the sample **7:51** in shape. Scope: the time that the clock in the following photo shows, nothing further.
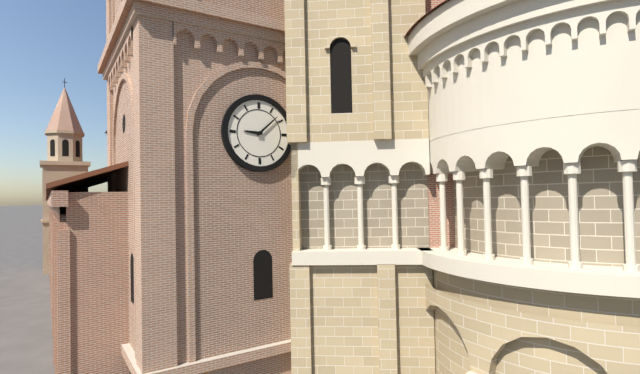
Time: **9:08**
